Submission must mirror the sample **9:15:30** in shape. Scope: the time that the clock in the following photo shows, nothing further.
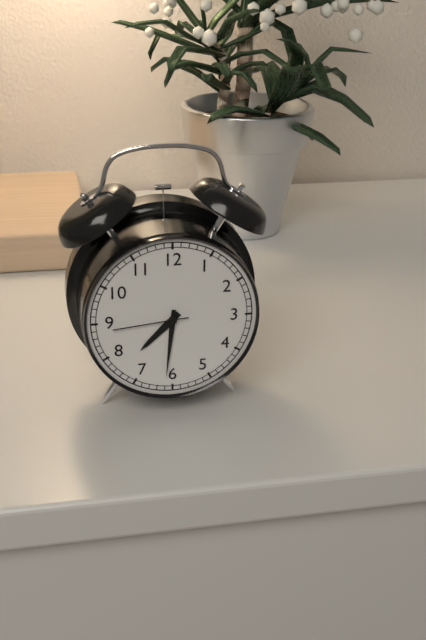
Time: **7:31:44**
